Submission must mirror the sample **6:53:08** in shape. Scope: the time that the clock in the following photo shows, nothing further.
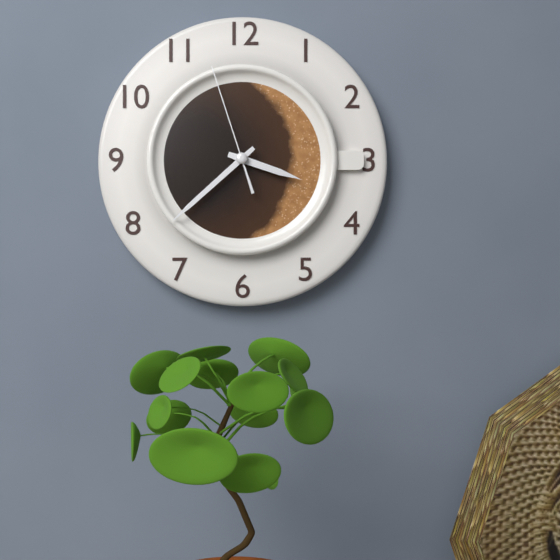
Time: **3:38:57**
